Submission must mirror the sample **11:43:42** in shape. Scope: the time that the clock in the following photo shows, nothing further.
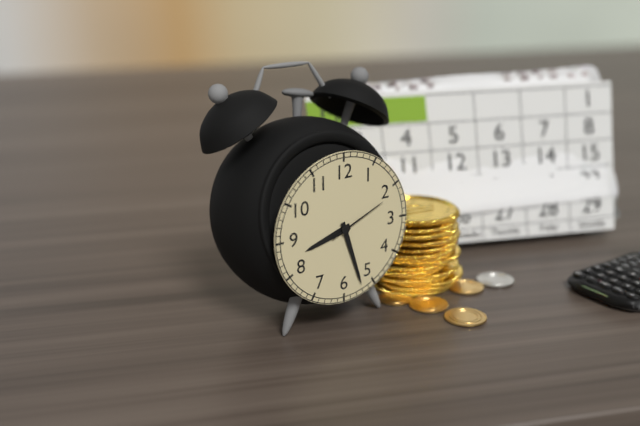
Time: **8:27:11**
